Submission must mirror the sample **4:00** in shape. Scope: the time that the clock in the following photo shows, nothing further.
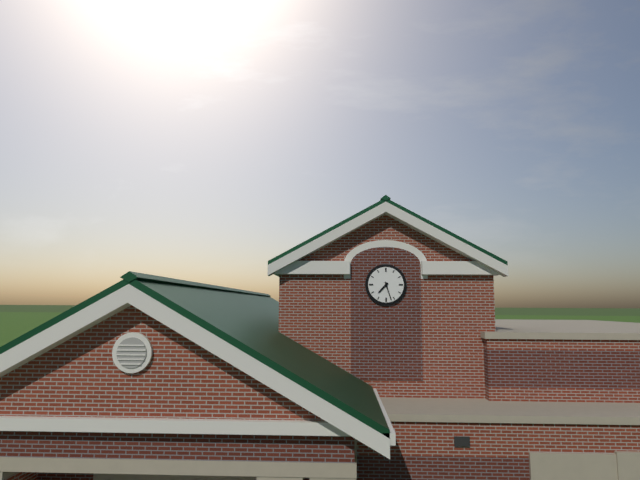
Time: **7:27**
